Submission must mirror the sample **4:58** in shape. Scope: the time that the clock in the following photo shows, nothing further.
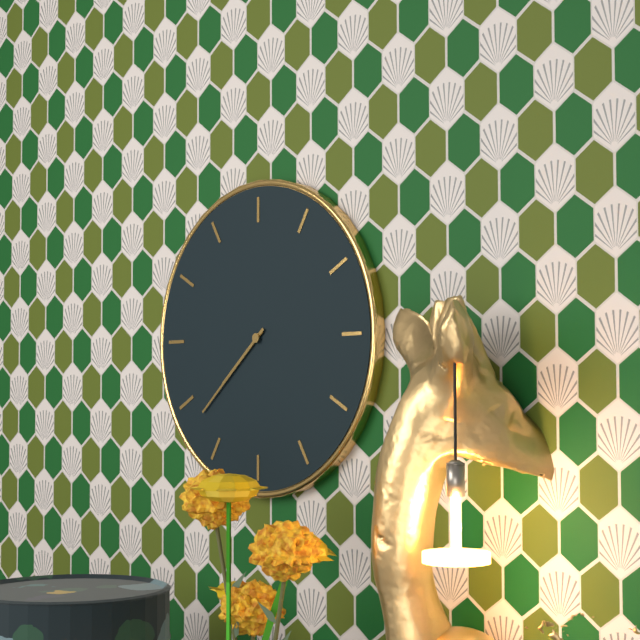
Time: **7:38**
